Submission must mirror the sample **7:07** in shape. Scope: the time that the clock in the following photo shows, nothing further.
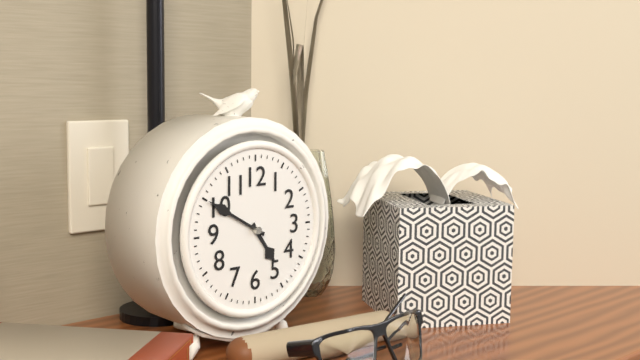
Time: **4:50**
